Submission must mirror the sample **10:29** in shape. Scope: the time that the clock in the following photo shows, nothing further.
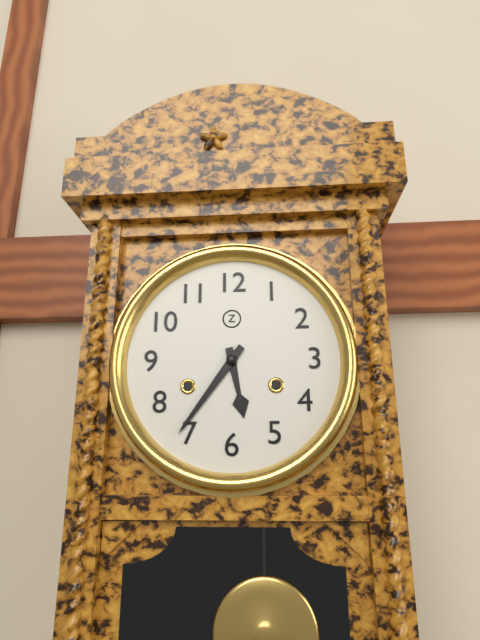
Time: **5:36**
